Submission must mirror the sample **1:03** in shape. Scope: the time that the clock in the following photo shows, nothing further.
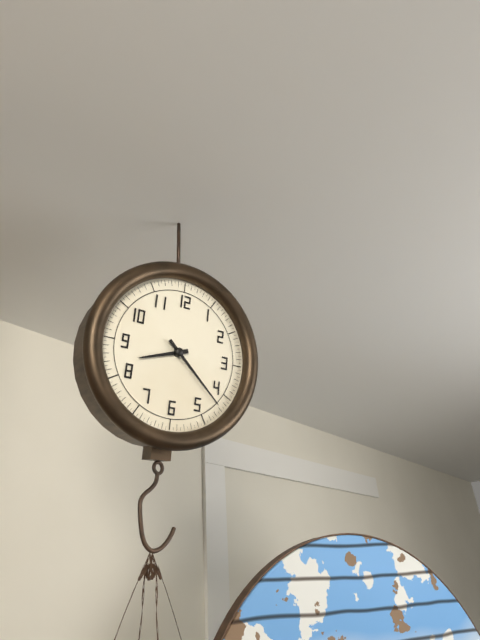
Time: **8:22**
